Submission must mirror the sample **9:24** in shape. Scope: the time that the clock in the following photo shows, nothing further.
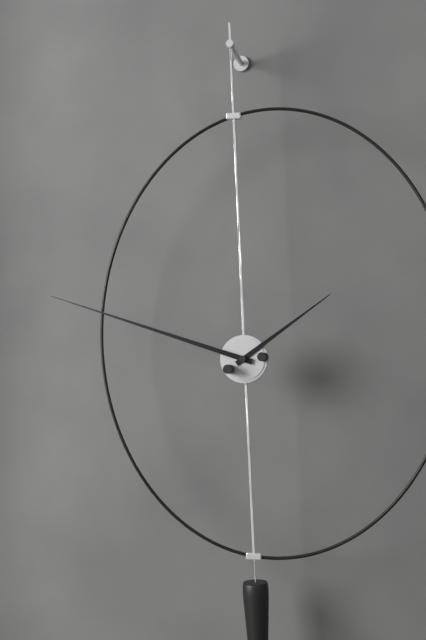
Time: **1:48**
